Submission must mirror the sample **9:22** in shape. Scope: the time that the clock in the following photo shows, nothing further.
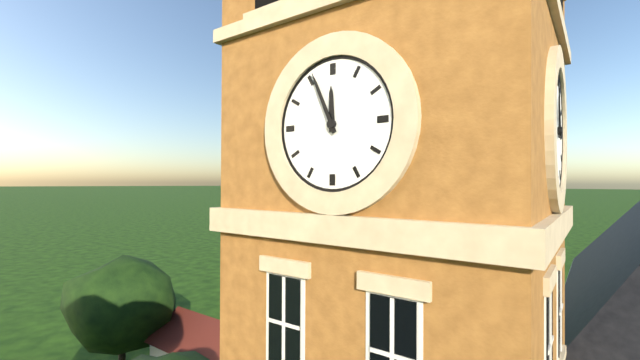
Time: **11:56**
